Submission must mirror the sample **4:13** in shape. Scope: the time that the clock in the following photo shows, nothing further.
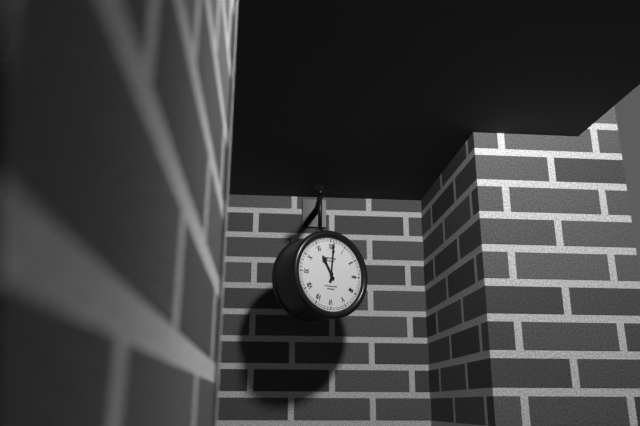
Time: **11:01**
